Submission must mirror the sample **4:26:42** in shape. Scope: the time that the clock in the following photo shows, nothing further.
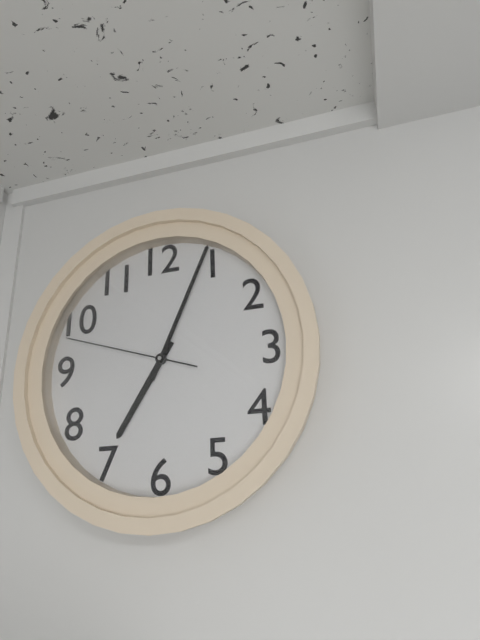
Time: **7:04:48**
